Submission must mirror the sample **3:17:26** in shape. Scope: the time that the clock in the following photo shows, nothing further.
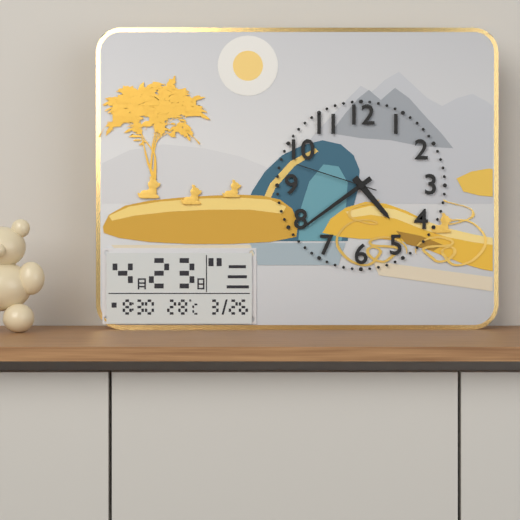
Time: **4:39:48**
